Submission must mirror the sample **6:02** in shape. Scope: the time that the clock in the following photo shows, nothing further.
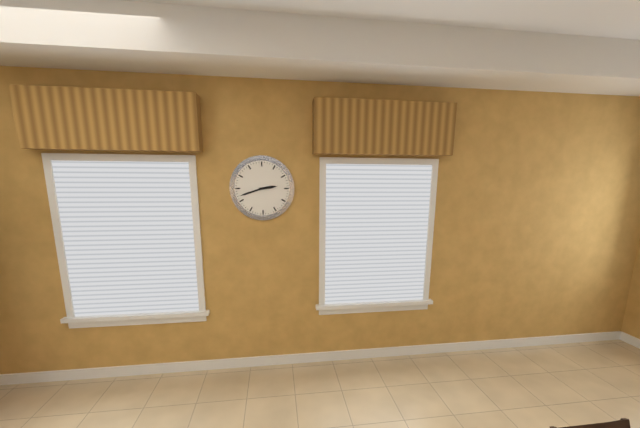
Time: **2:42**
